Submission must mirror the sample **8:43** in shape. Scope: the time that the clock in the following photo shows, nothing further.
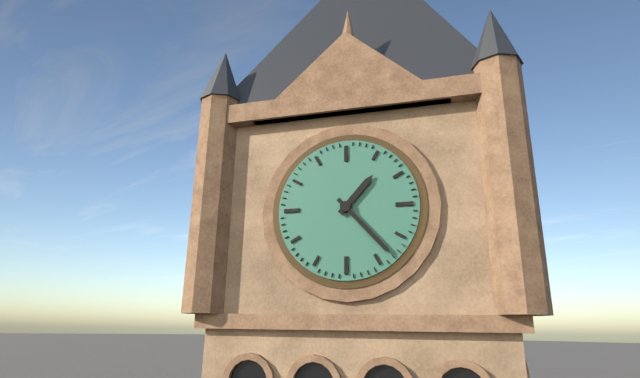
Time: **1:23**
